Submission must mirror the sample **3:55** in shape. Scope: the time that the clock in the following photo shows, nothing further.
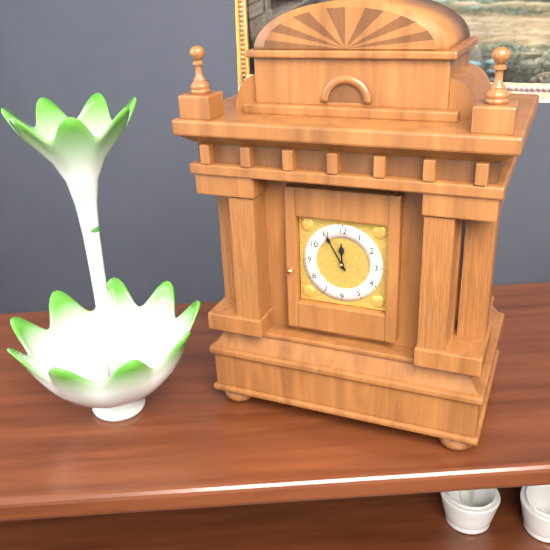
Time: **11:55**
